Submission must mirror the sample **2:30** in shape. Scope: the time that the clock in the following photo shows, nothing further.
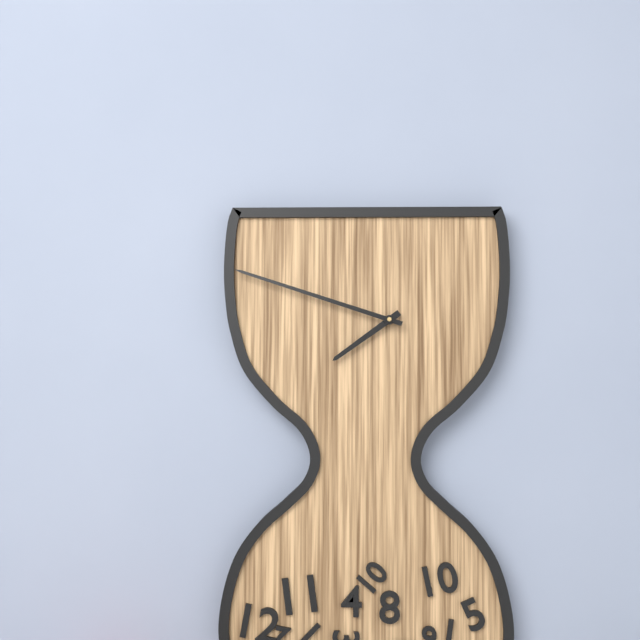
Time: **7:48**
